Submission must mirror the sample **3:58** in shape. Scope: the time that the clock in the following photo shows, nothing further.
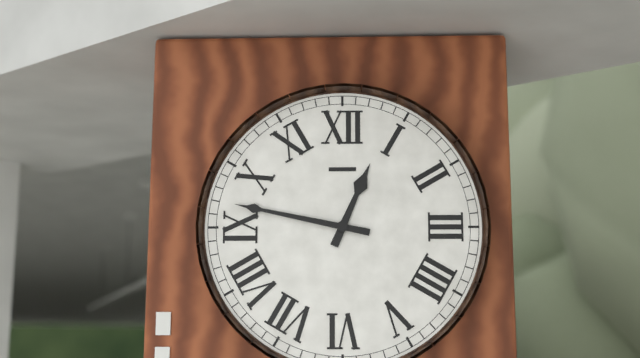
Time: **12:47**
